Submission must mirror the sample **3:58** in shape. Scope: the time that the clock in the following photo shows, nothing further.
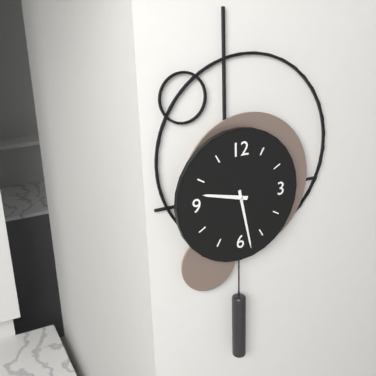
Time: **9:28**
